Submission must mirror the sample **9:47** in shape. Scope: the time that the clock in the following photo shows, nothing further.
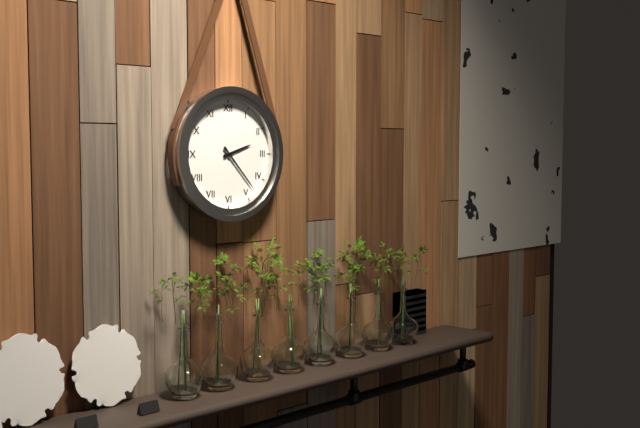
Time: **2:23**
